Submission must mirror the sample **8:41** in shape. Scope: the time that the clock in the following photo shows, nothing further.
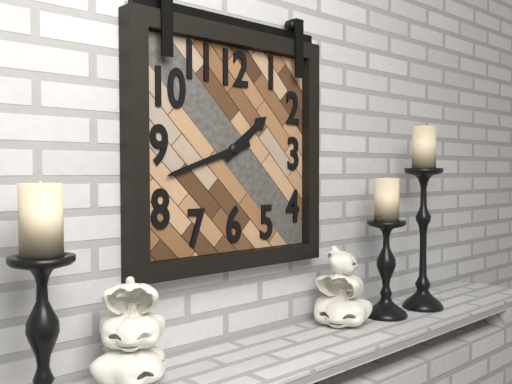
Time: **1:42**
